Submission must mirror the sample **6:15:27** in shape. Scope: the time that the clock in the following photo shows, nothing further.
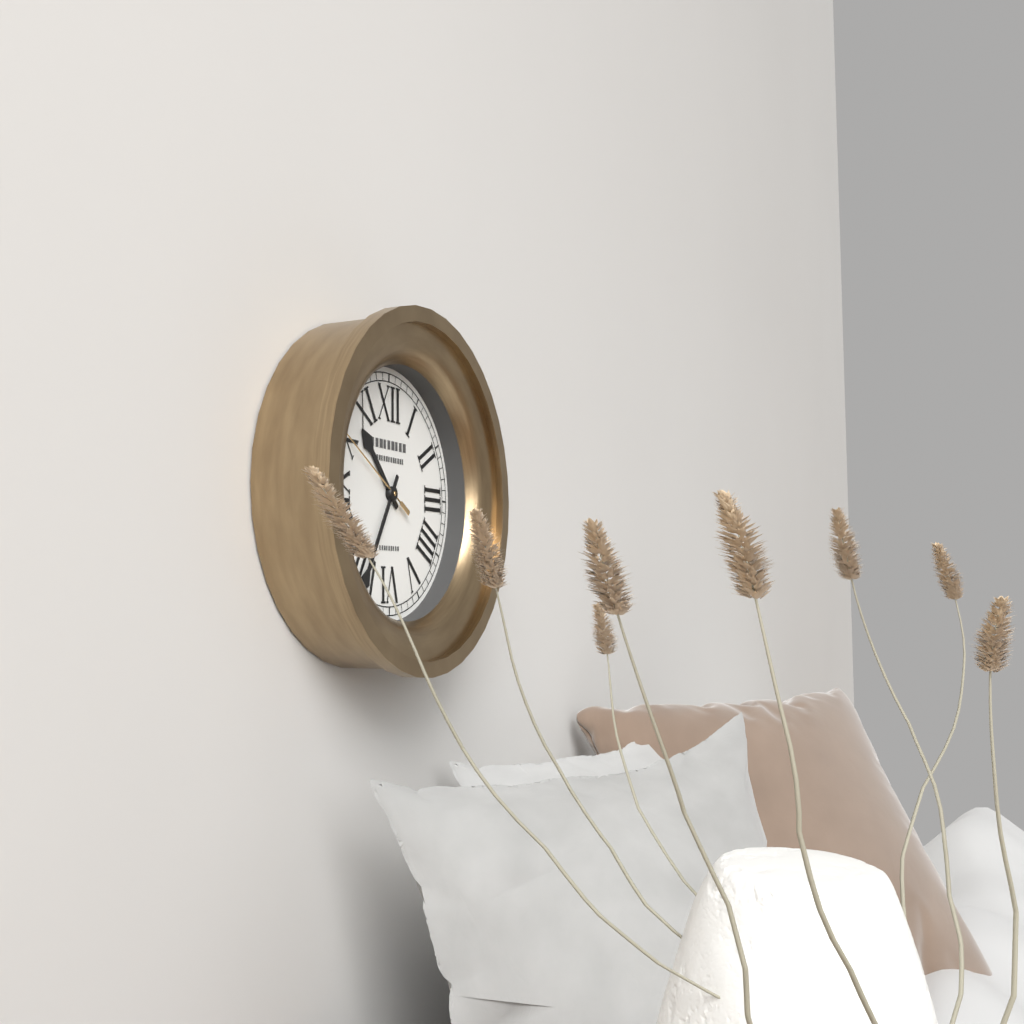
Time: **10:35:50**
